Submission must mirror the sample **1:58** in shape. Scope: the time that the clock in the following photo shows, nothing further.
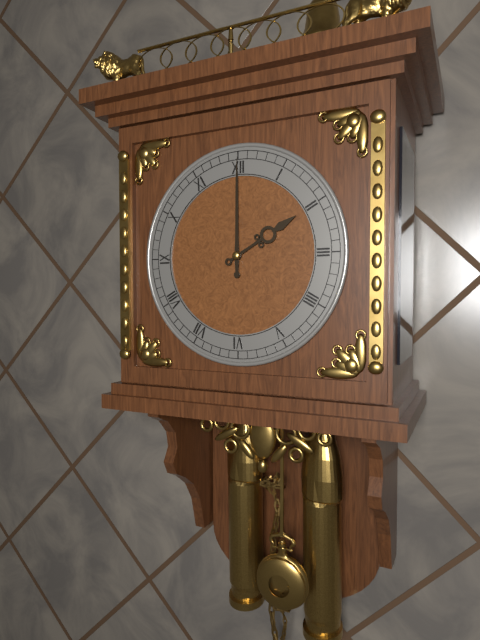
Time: **2:00**
